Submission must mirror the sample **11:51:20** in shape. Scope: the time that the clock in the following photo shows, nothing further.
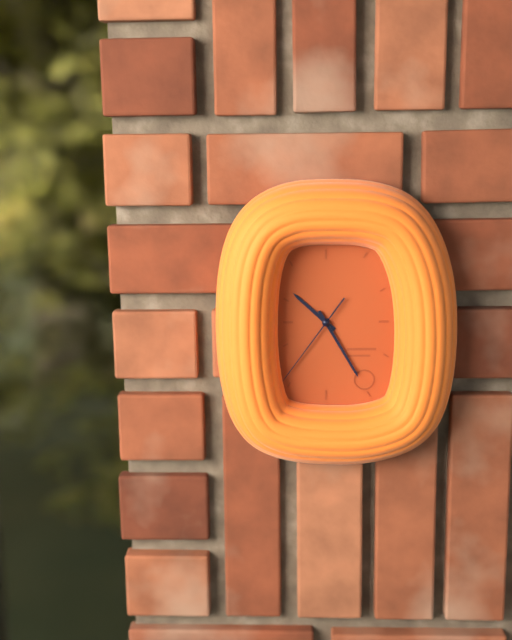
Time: **10:25:36**
